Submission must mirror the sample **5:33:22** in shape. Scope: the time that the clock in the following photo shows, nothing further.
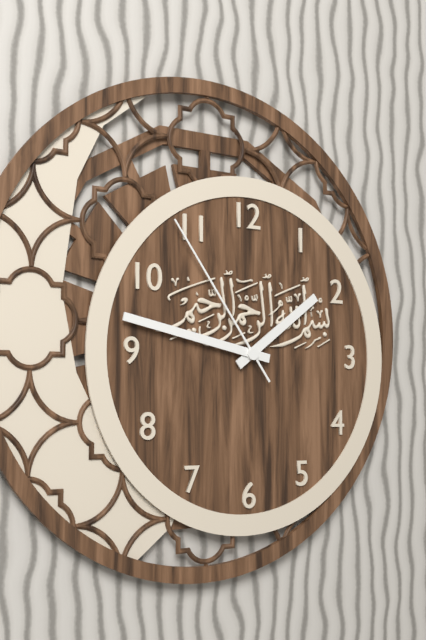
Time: **1:47:54**
